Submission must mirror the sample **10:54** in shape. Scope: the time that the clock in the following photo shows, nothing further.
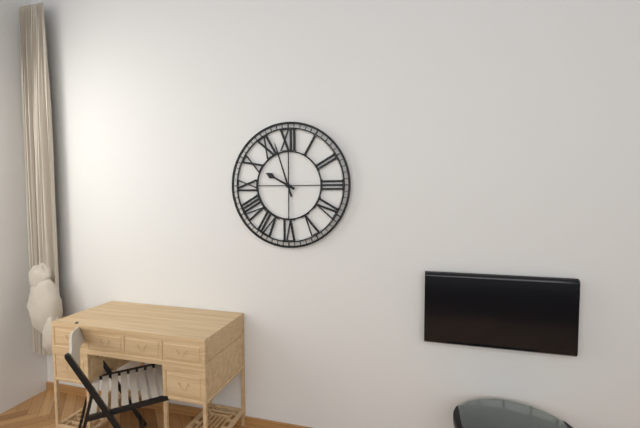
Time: **9:57**
